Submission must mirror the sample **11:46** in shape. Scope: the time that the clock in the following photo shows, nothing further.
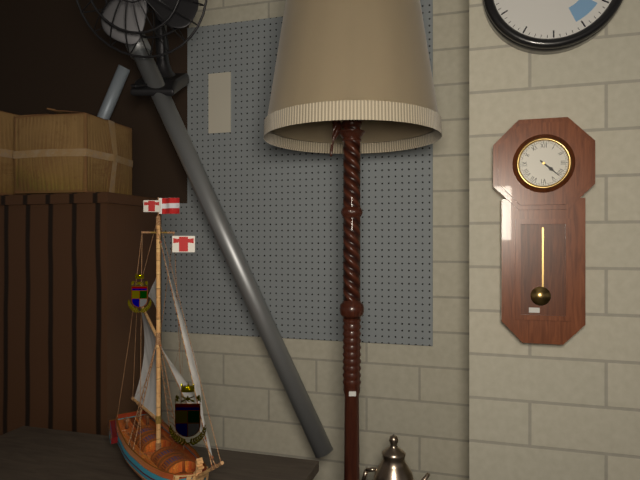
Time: **4:22**
